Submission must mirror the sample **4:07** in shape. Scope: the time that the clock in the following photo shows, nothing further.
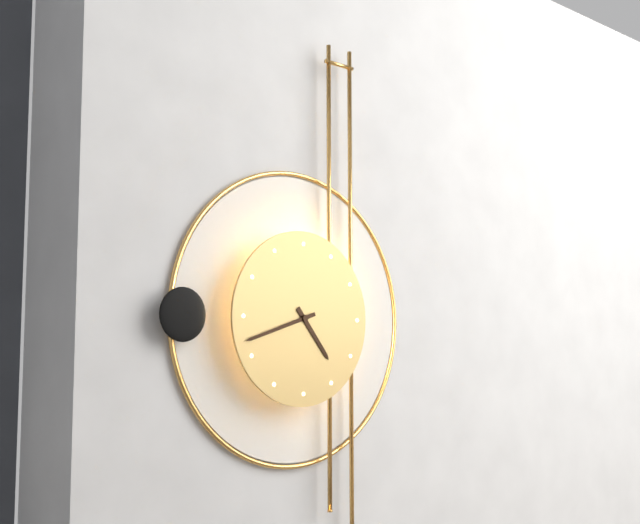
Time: **4:42**
